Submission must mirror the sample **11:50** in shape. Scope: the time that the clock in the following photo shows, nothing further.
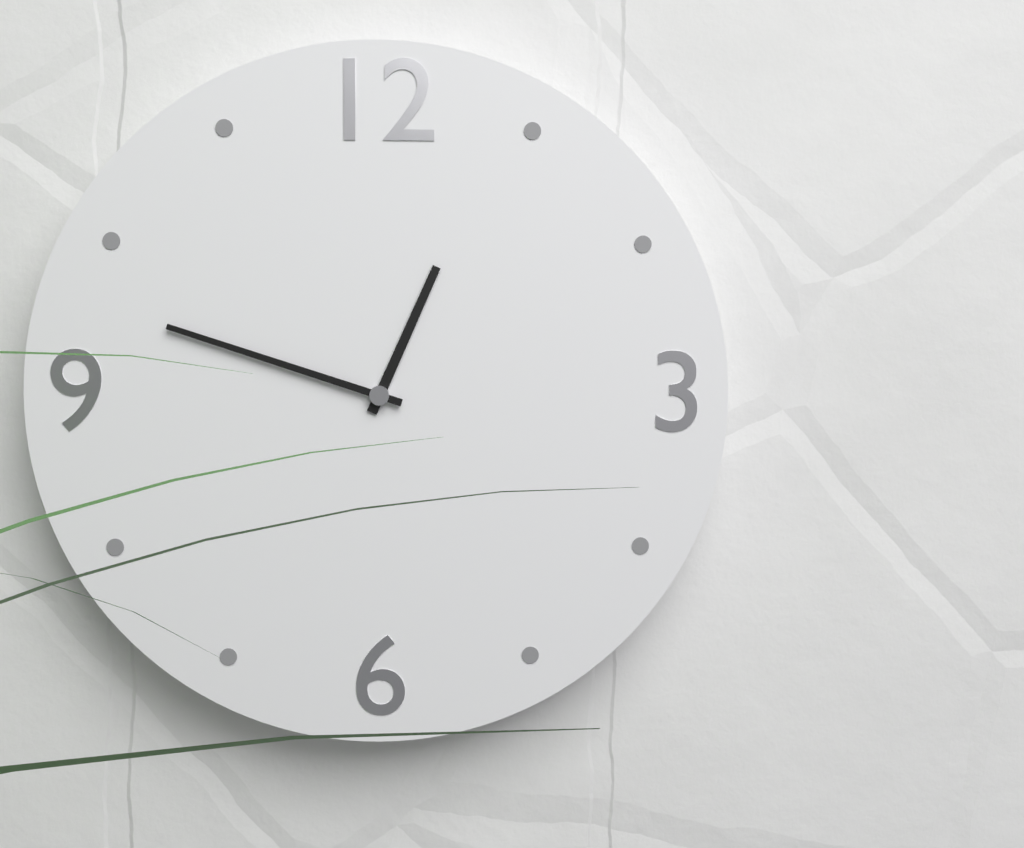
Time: **12:48**
